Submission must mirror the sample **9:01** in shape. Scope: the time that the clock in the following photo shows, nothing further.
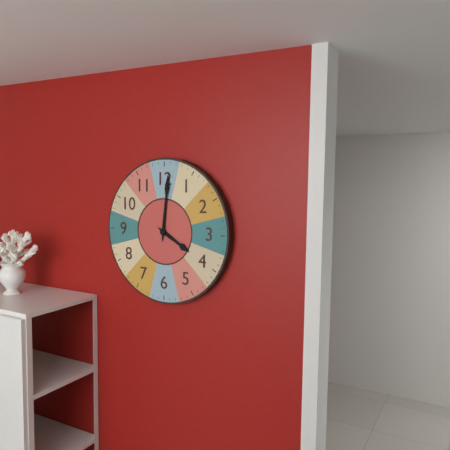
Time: **4:01**
